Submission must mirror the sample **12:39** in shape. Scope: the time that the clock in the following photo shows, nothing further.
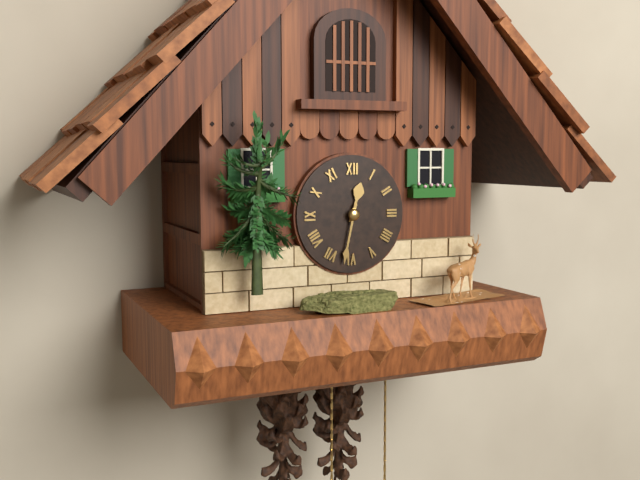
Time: **12:32**
